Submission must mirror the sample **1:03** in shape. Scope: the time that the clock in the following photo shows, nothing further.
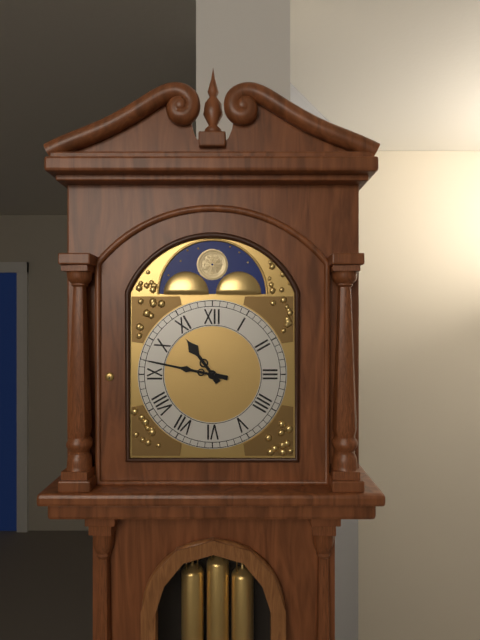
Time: **10:47**
